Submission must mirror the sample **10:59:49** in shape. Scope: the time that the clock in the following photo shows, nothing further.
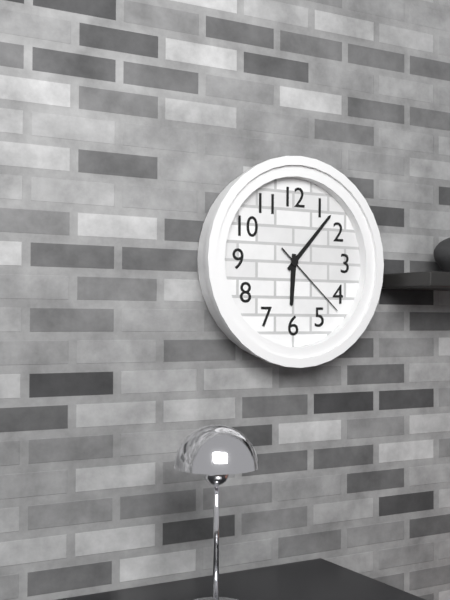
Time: **6:07:22**
